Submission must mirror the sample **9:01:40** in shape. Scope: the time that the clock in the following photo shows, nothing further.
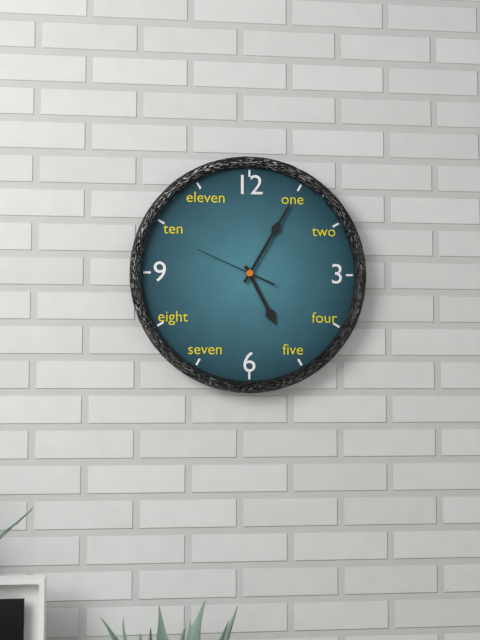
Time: **5:05:49**
